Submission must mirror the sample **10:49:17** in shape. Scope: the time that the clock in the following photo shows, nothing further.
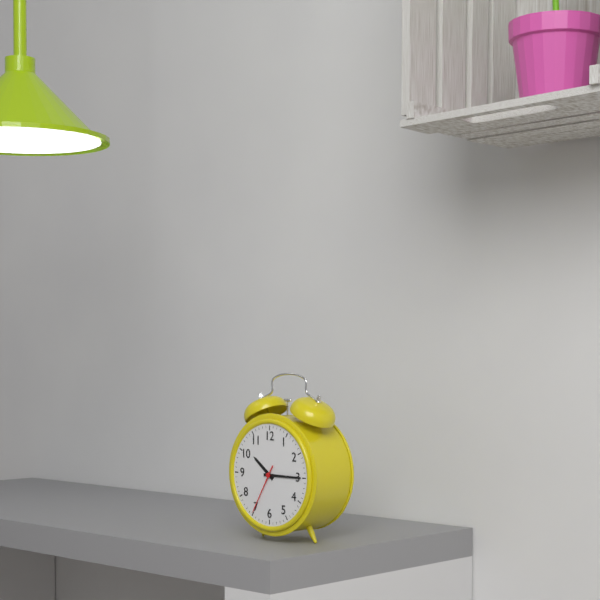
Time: **10:15:35**
